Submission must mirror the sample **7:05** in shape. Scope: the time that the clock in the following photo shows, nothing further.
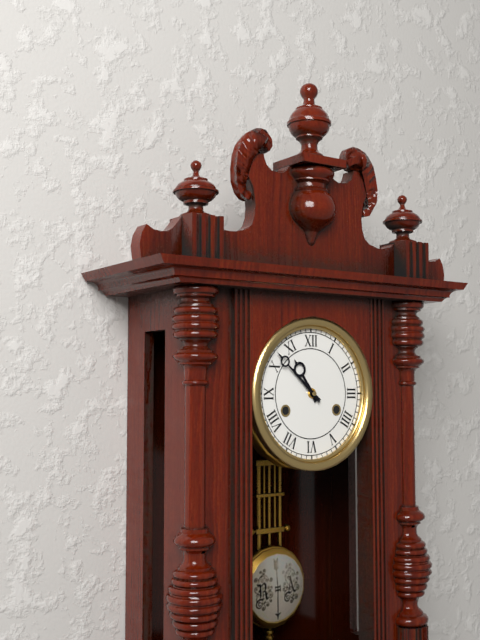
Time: **10:52**
